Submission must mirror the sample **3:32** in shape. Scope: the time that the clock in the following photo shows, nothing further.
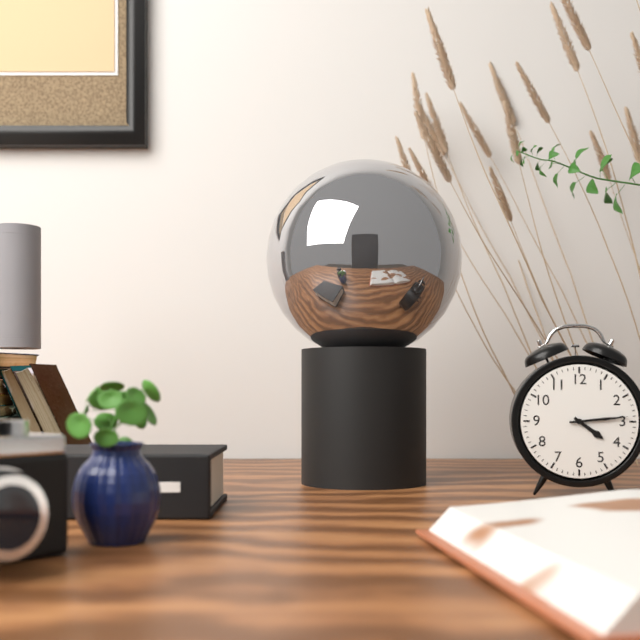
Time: **4:14**
